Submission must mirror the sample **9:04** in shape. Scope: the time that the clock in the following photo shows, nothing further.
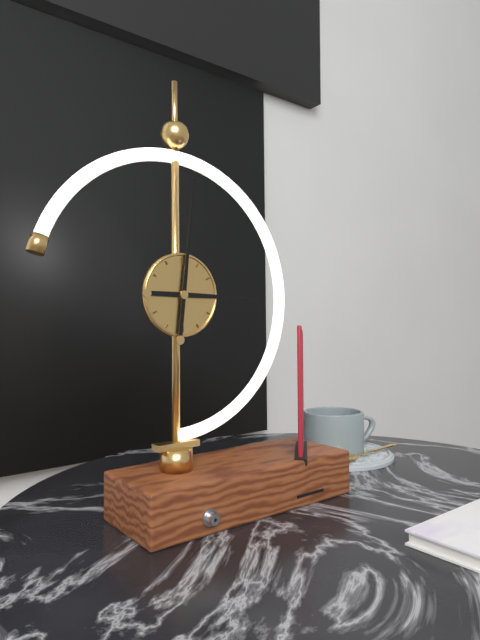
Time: **3:01**
